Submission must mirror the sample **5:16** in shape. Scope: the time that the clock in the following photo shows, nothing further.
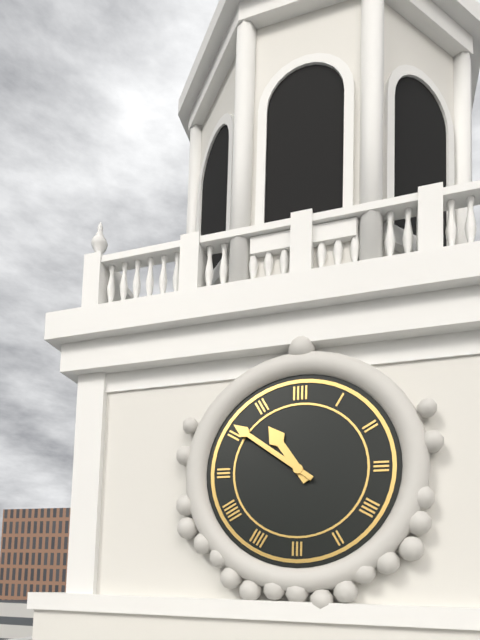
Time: **10:51**
